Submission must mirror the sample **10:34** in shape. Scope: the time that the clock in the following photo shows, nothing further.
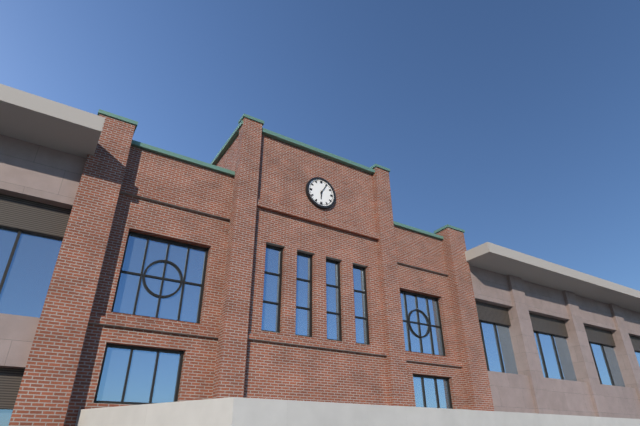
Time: **6:05**
